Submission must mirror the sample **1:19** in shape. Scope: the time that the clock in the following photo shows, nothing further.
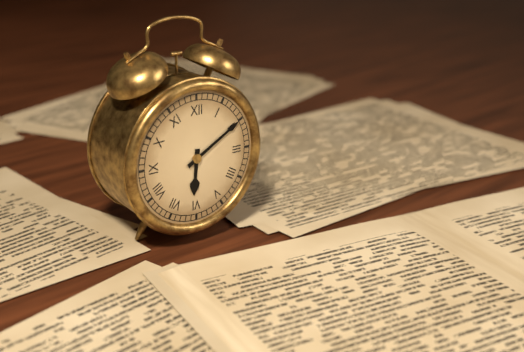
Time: **6:10**
